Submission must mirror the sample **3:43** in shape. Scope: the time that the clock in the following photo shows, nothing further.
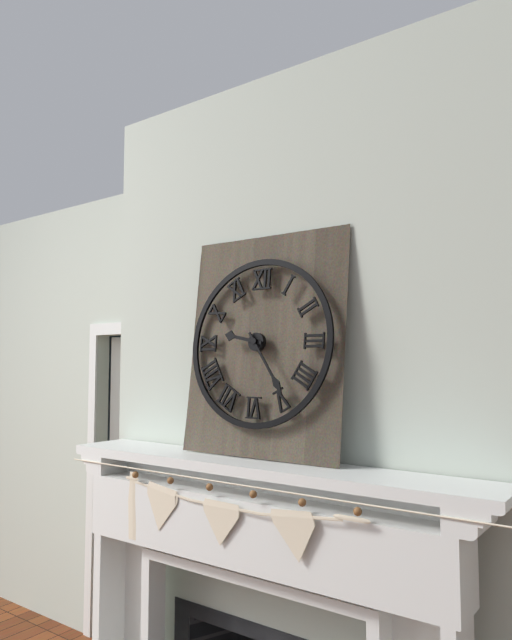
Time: **9:24**
